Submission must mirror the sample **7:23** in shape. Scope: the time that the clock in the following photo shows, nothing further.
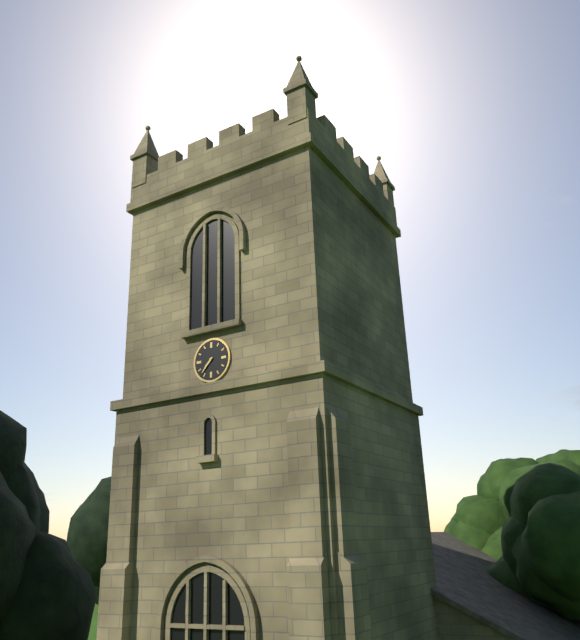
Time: **7:37**
